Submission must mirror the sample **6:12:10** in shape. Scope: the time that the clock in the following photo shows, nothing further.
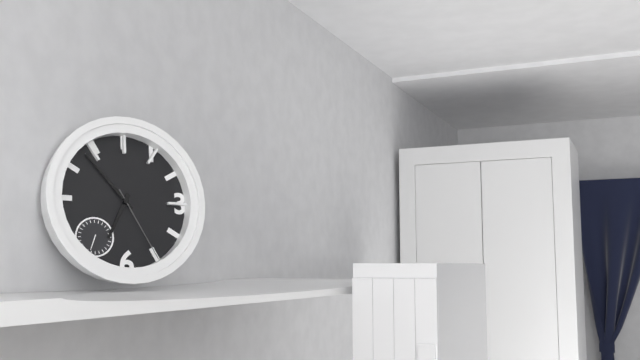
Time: **6:53:25**
